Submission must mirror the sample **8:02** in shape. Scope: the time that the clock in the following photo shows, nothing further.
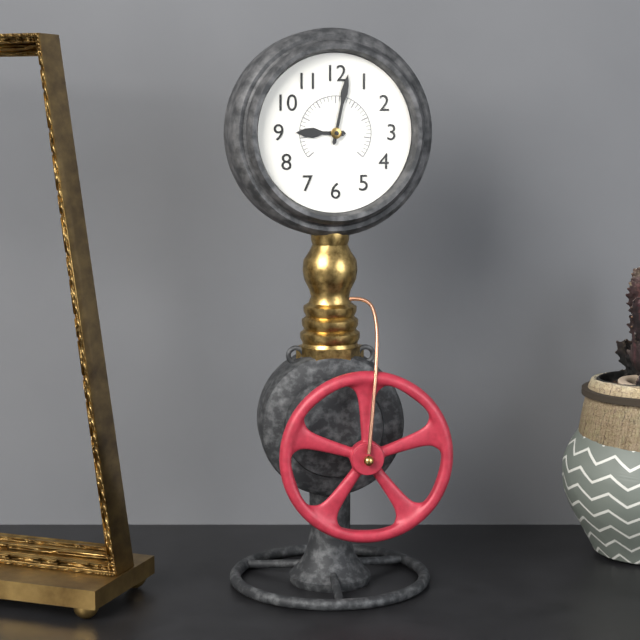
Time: **9:02**
